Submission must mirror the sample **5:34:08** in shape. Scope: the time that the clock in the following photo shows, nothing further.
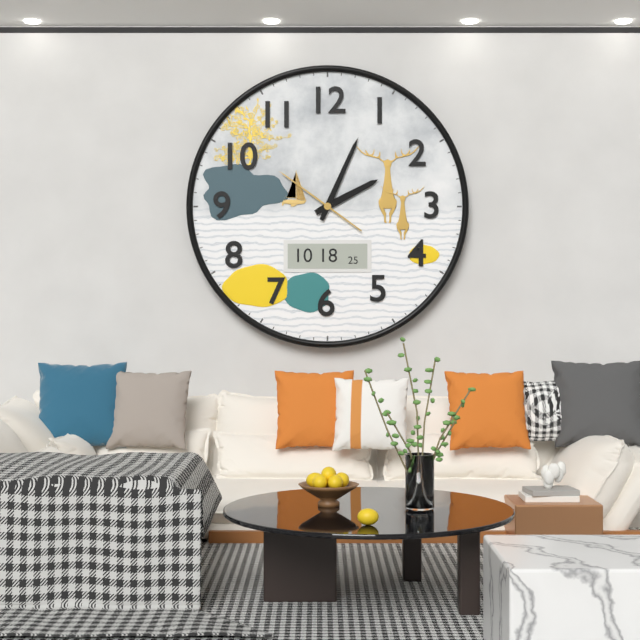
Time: **2:04:51**
